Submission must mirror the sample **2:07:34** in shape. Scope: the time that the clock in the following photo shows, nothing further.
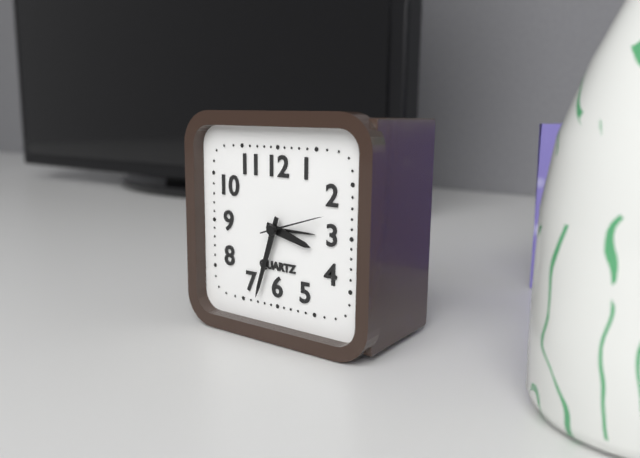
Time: **3:33:12**
